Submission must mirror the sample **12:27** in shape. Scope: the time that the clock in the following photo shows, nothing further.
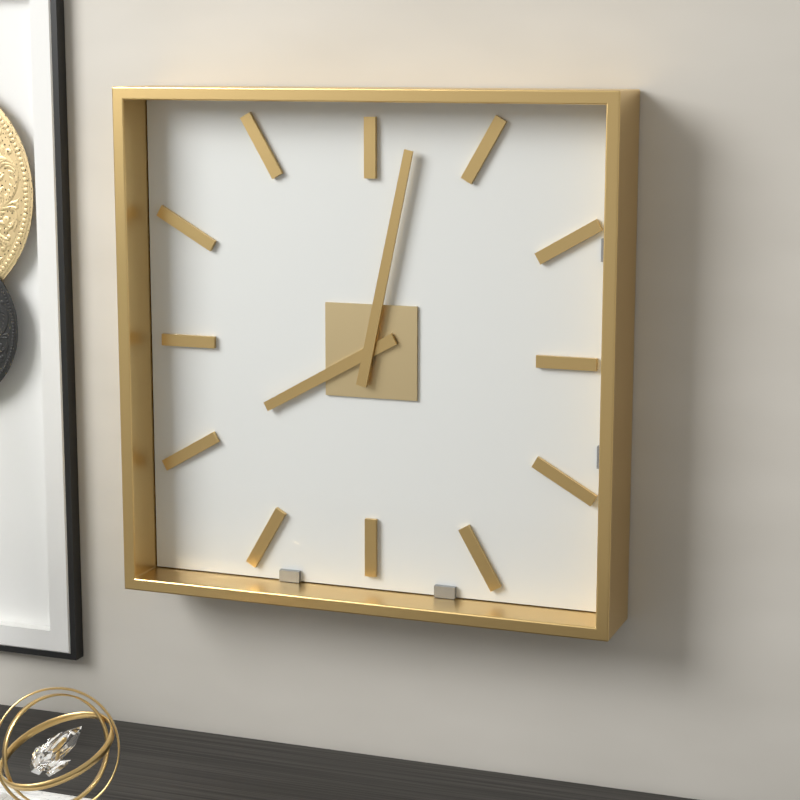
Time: **8:02**
